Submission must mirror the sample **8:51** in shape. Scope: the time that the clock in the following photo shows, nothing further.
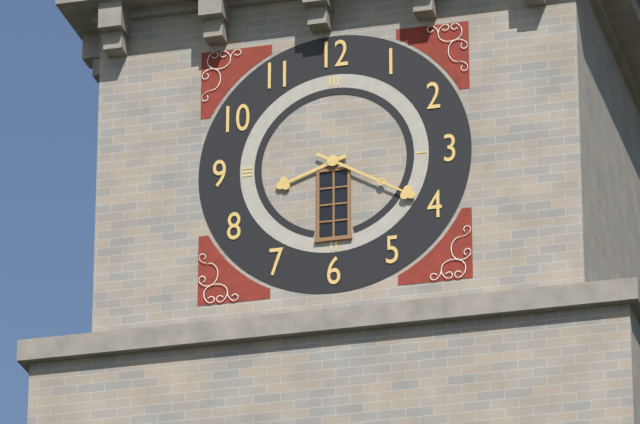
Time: **8:20**
